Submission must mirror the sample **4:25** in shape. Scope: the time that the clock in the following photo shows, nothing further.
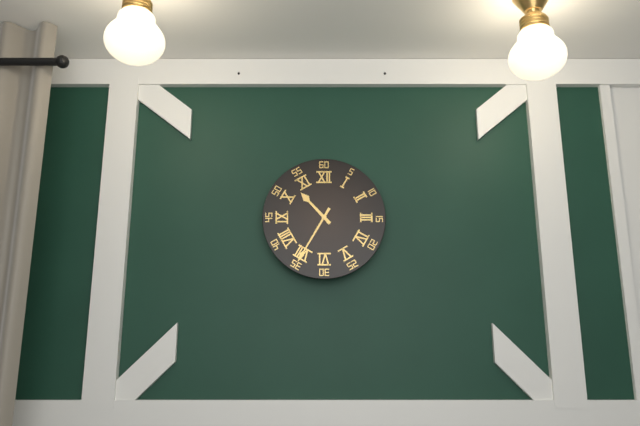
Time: **10:35**
